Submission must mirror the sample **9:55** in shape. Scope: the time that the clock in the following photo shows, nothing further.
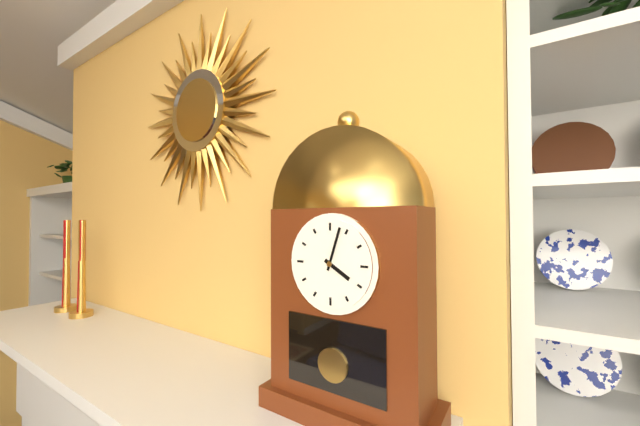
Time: **4:03**
